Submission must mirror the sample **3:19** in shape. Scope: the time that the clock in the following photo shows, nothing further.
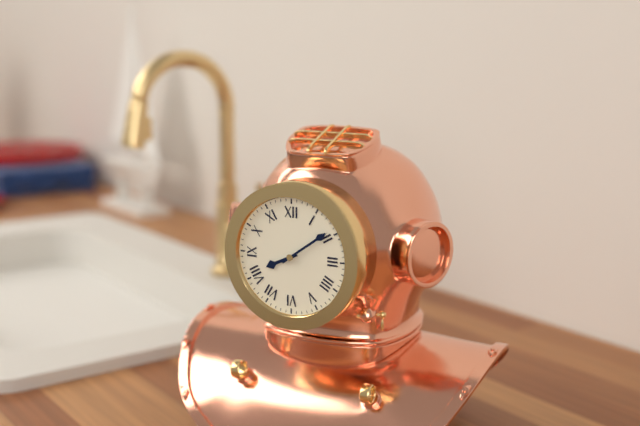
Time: **8:09**
